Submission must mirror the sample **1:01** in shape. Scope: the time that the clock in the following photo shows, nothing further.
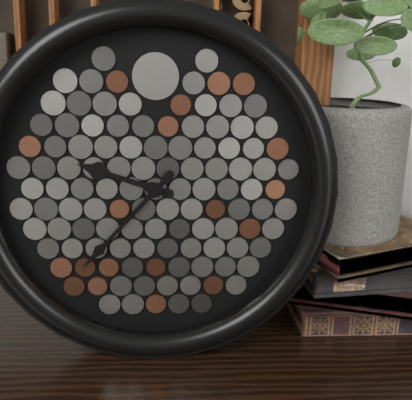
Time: **9:37**
